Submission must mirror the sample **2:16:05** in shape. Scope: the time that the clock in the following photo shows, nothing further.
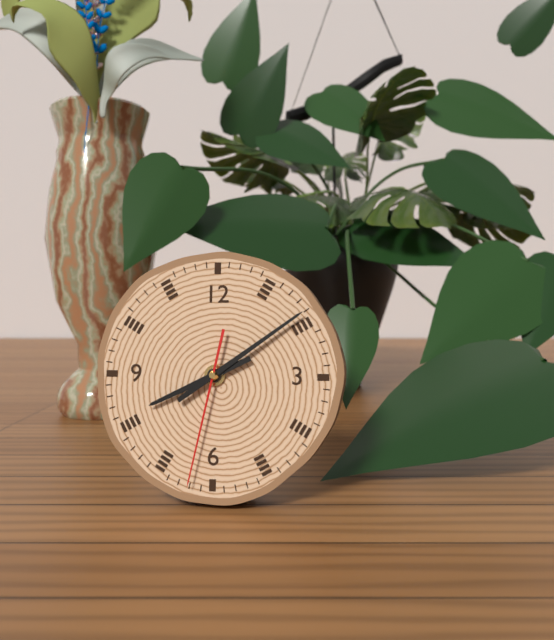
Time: **8:09:32**
